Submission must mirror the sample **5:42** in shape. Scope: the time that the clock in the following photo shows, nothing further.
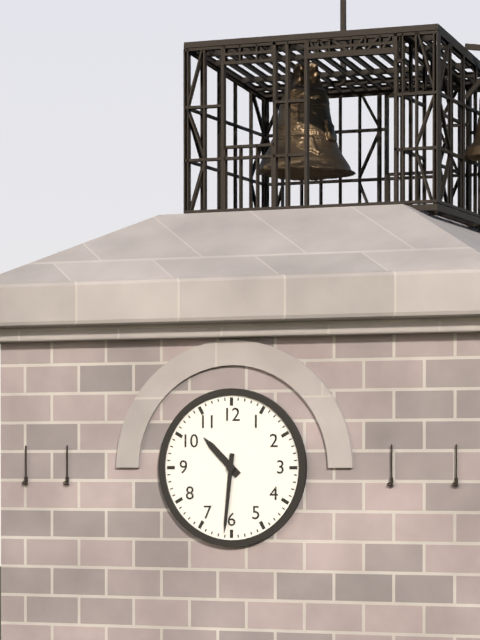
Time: **10:31**
